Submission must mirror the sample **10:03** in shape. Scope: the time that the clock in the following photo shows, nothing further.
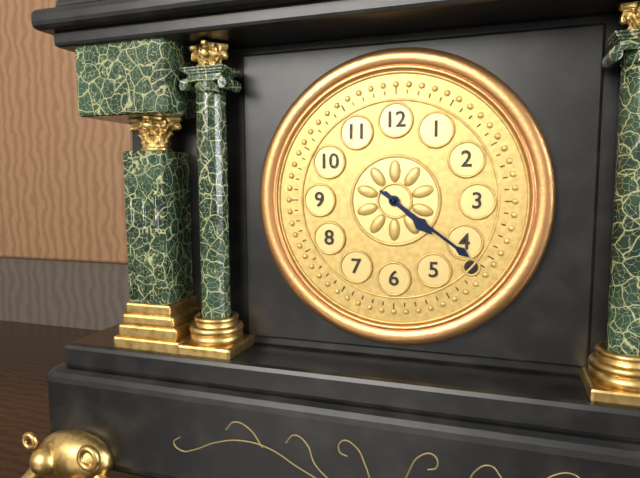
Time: **4:21**
